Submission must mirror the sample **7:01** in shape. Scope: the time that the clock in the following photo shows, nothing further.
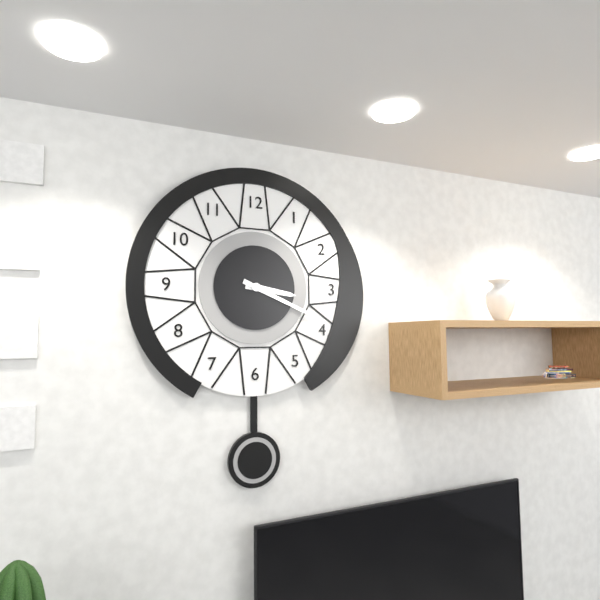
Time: **3:19**
